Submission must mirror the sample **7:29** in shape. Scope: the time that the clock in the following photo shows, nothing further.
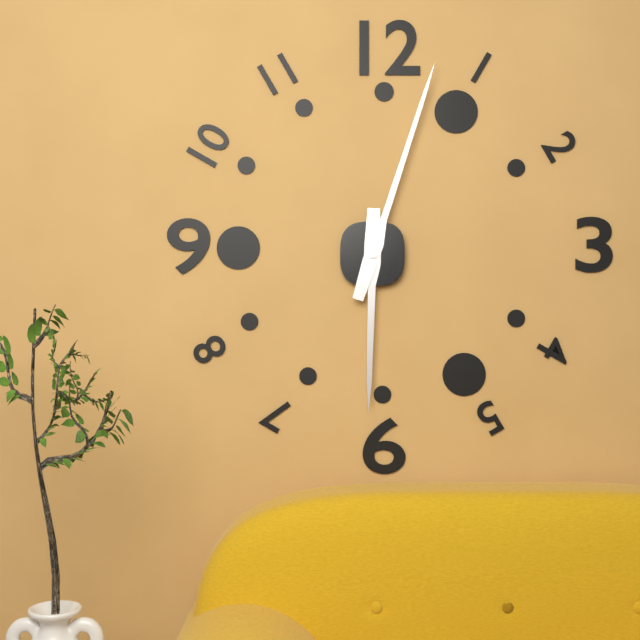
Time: **6:03**
